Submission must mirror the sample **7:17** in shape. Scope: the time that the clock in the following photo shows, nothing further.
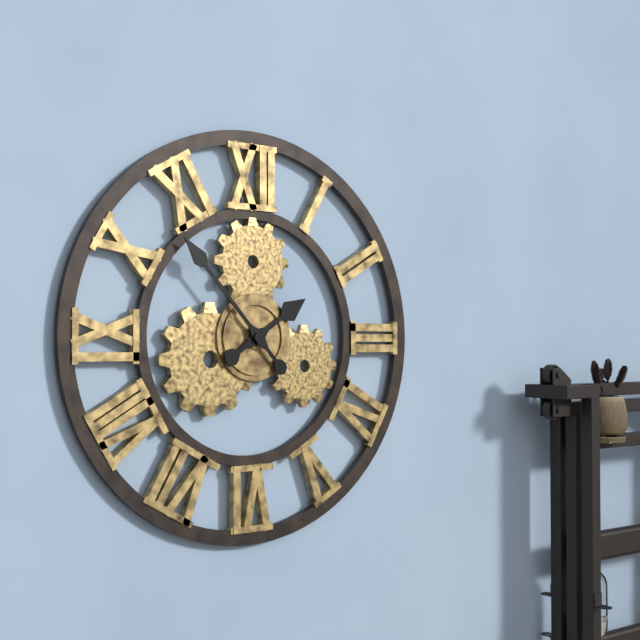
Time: **1:53**
